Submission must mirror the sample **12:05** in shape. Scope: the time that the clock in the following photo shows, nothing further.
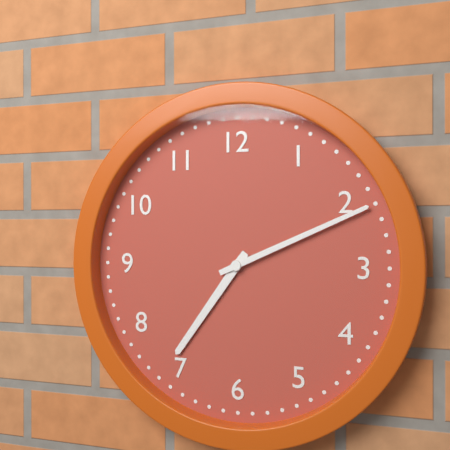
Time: **7:11**
